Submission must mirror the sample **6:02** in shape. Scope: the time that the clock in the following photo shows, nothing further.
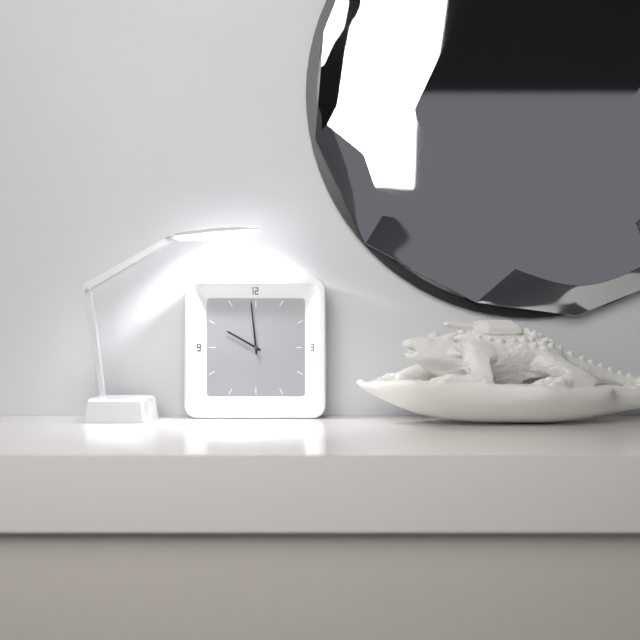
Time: **9:59**
